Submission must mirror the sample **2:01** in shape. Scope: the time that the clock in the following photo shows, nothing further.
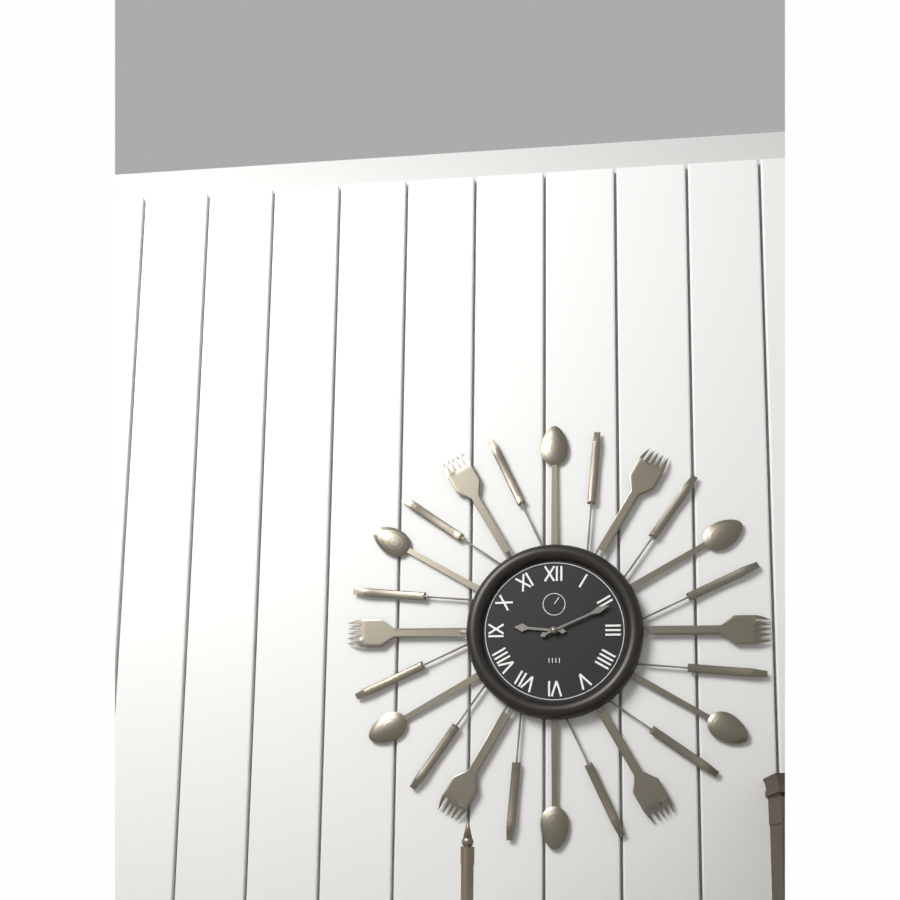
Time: **9:11**
